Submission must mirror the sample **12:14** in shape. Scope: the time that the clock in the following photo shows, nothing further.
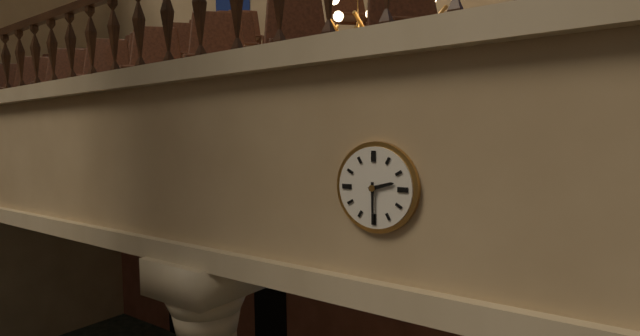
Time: **2:30**
